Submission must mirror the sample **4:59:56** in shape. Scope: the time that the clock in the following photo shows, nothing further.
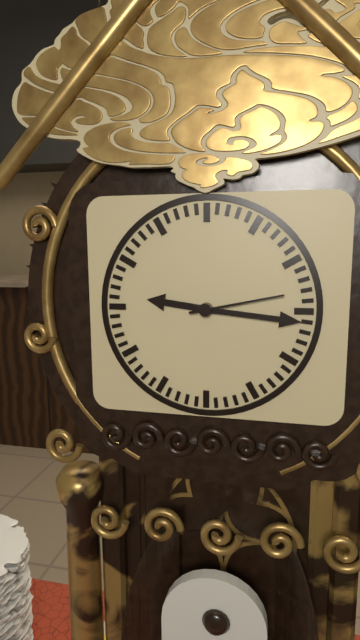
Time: **9:16:13**
